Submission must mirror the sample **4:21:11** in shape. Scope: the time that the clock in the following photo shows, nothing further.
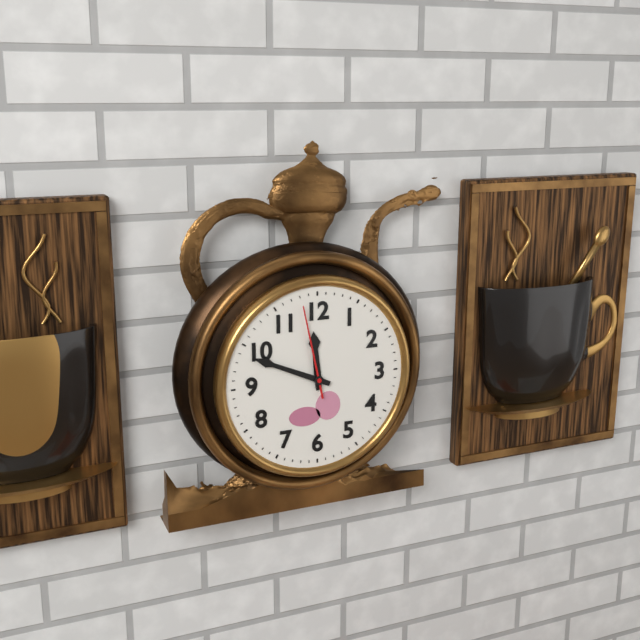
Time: **11:49:58**
